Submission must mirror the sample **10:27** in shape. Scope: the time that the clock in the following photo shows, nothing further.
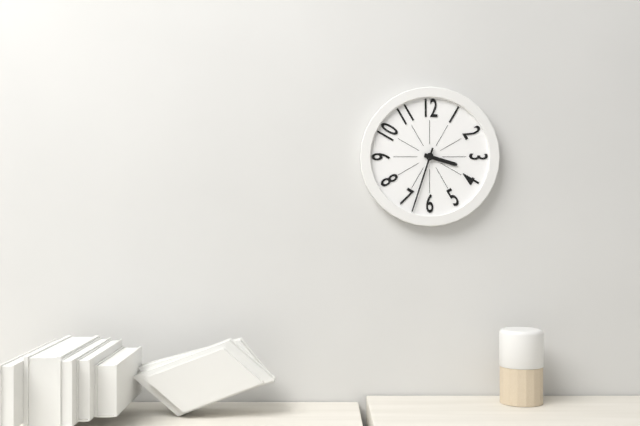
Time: **3:33**
